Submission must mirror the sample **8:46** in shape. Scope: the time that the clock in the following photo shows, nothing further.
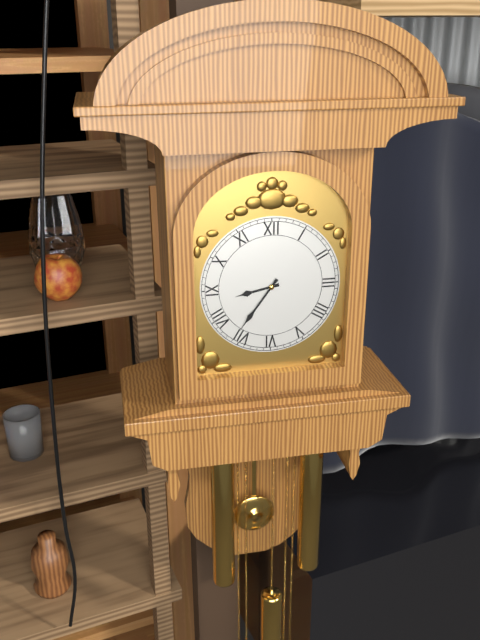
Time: **8:36**
